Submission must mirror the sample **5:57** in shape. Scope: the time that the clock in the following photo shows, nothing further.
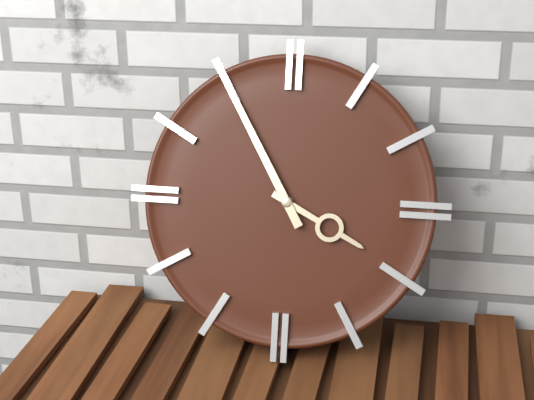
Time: **3:55**
